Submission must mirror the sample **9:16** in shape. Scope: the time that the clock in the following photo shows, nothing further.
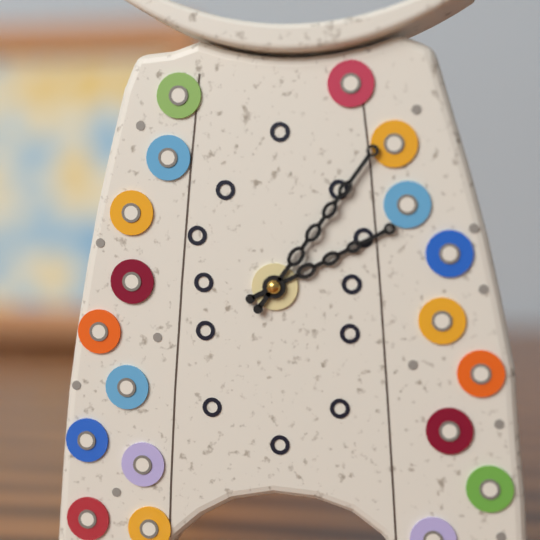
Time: **2:06**
